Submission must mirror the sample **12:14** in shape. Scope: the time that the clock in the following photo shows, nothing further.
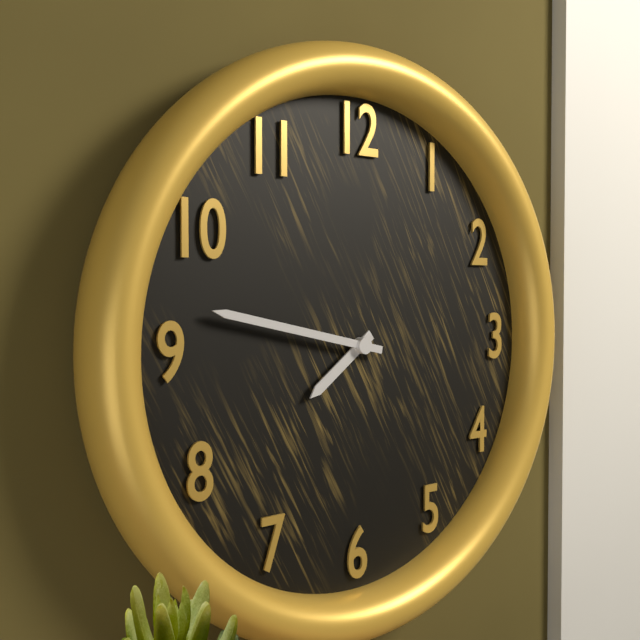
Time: **7:47**
